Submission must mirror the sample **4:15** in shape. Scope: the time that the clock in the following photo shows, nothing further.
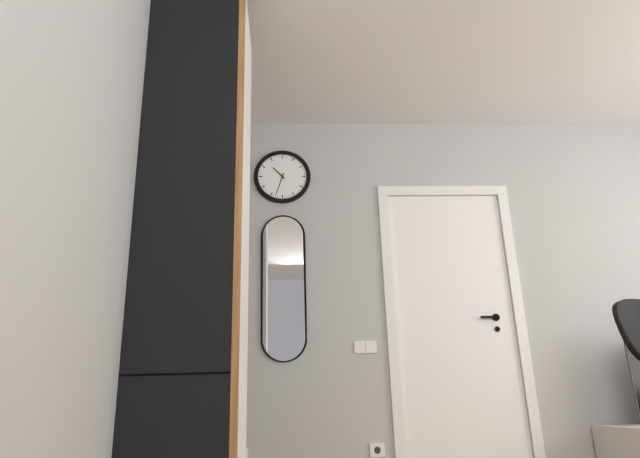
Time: **10:33**
